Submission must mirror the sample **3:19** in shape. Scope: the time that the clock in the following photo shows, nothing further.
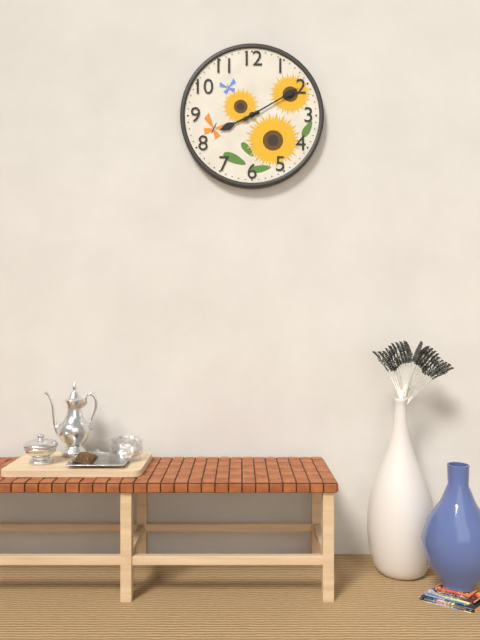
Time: **8:10**
